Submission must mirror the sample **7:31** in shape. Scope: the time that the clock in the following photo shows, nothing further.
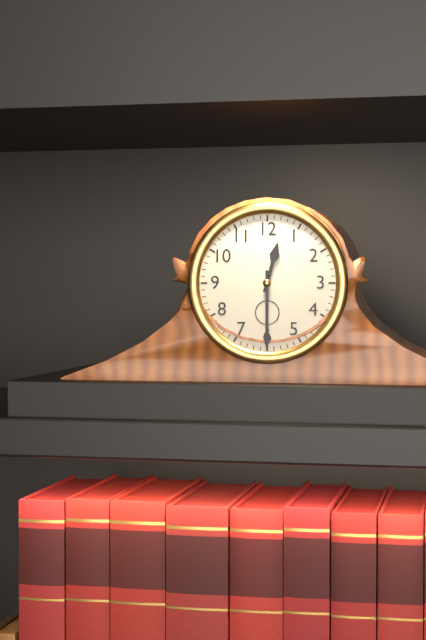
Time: **12:30**
